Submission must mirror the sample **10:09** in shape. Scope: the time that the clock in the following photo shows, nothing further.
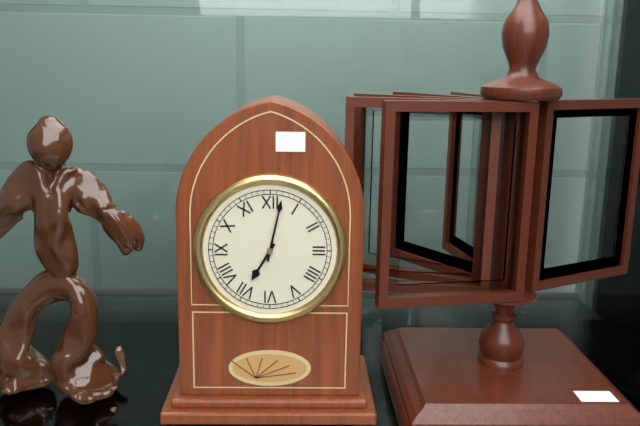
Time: **7:02**
